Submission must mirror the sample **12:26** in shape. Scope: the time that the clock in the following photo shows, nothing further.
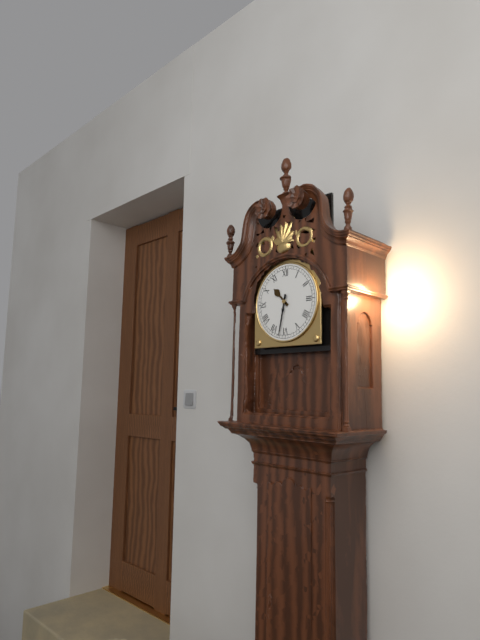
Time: **10:32**
